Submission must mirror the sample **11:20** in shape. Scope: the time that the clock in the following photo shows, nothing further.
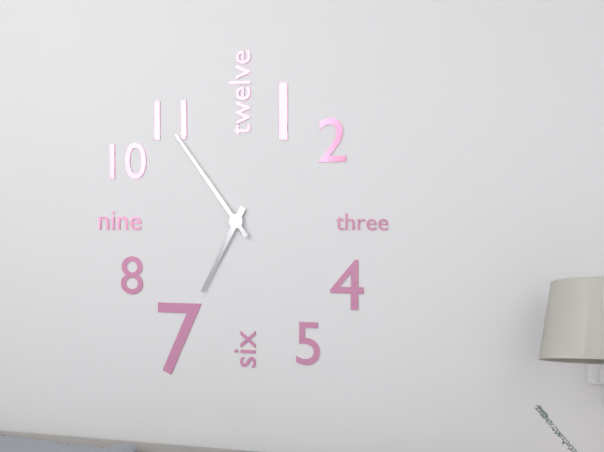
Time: **6:54**
